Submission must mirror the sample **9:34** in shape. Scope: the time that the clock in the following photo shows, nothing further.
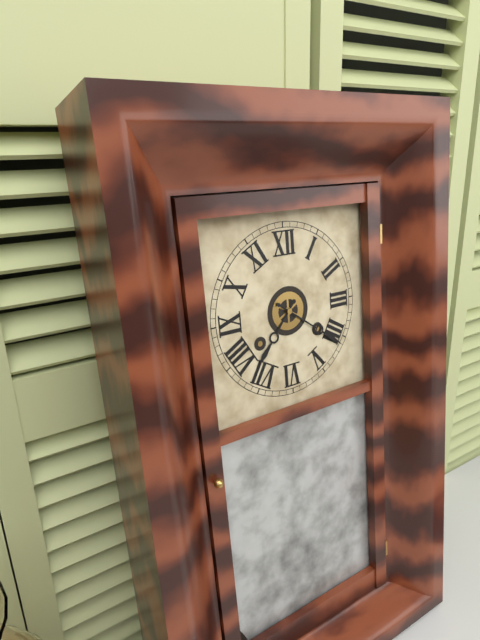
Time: **7:21**
